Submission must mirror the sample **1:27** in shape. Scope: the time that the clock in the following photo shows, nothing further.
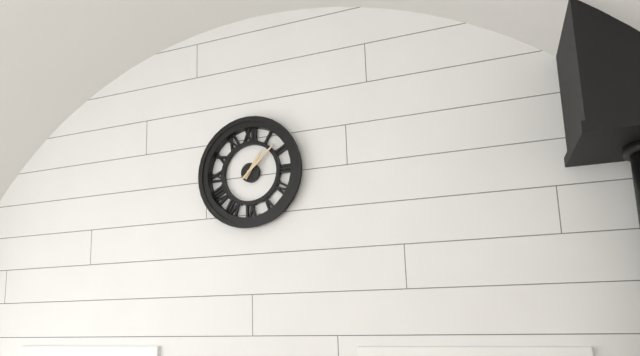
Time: **1:08**
